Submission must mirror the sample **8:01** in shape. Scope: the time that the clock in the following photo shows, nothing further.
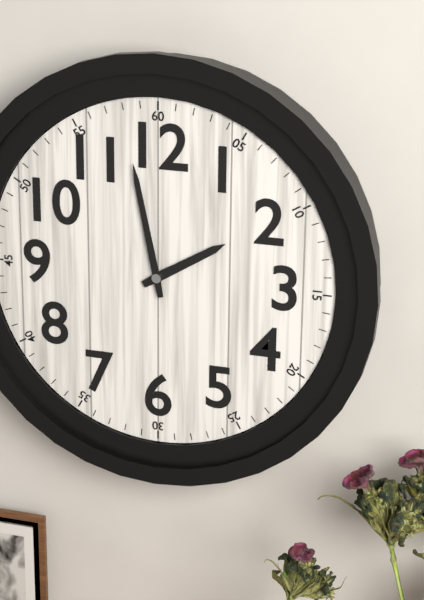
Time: **1:58**
